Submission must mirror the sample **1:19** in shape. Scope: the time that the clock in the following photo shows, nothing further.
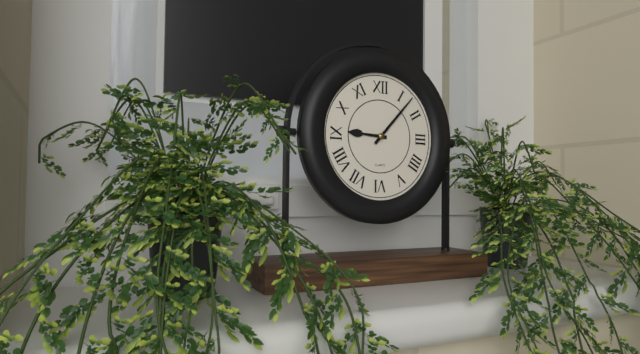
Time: **9:07**
